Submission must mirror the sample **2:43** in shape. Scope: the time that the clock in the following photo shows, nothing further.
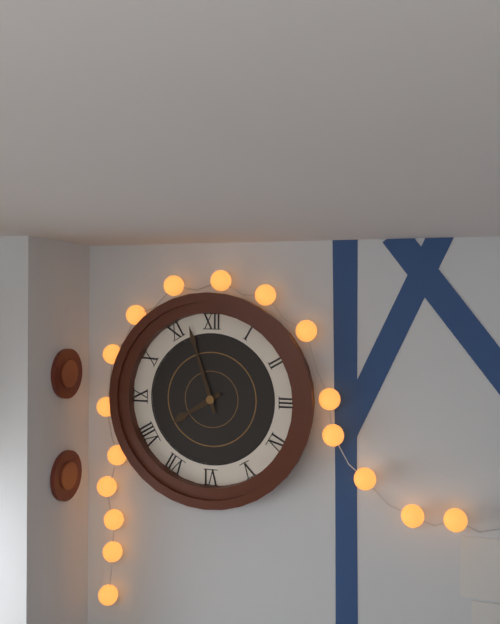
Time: **7:57**
